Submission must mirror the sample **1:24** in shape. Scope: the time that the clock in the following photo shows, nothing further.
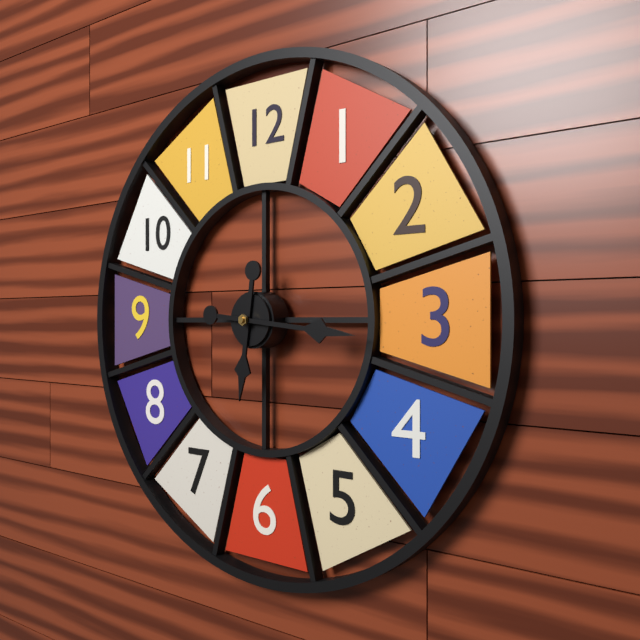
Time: **6:16**
